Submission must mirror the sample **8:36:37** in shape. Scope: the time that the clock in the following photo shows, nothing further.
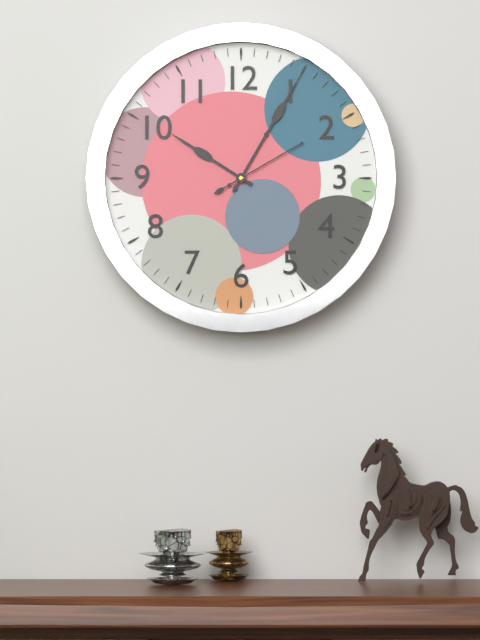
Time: **10:05:10**
